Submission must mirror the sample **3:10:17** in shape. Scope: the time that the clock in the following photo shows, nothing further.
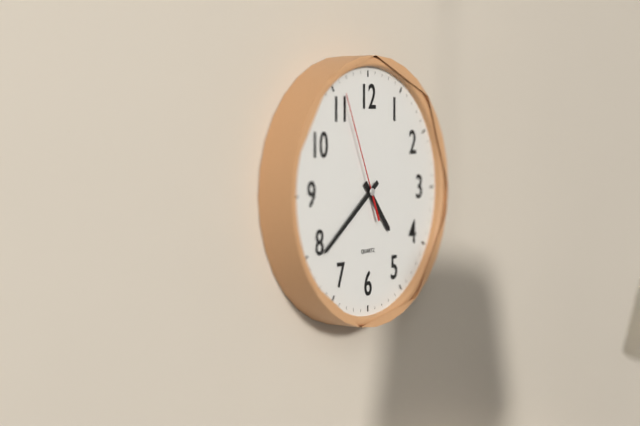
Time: **4:39:56**
